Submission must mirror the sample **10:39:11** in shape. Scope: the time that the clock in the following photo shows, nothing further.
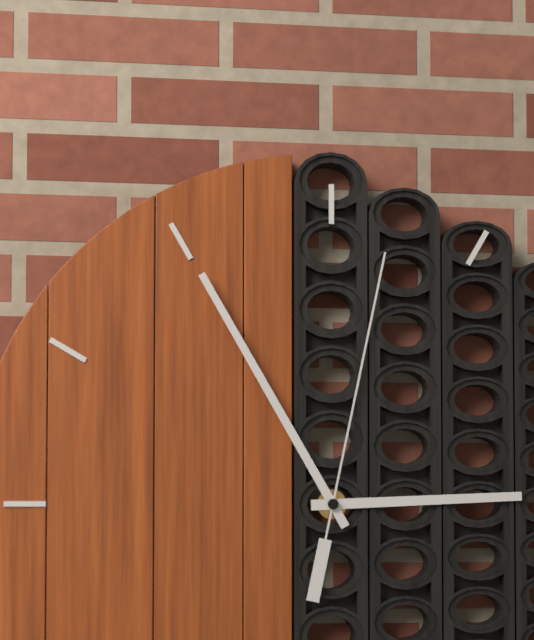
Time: **2:55:02**
